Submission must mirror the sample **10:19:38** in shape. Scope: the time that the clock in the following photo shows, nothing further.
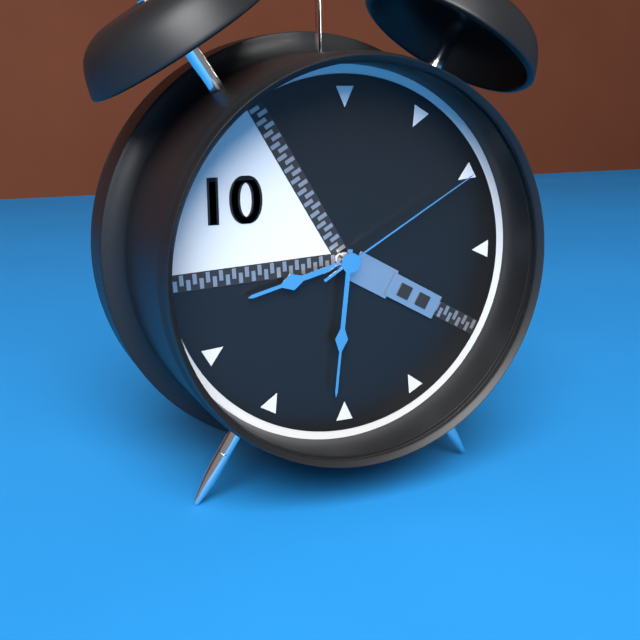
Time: **8:31:10**
